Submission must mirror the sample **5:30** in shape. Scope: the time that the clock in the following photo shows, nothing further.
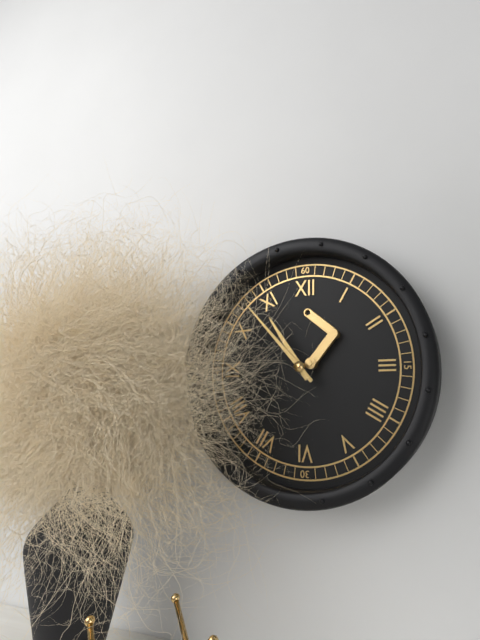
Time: **10:53**
